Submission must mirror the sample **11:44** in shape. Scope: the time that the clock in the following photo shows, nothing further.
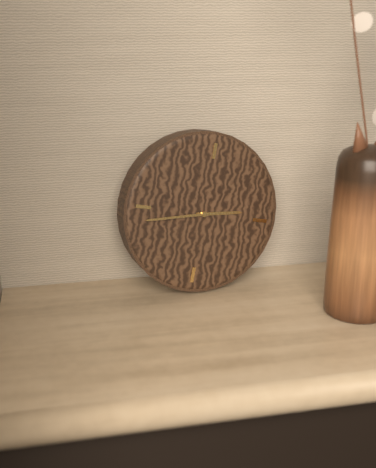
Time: **2:43**
